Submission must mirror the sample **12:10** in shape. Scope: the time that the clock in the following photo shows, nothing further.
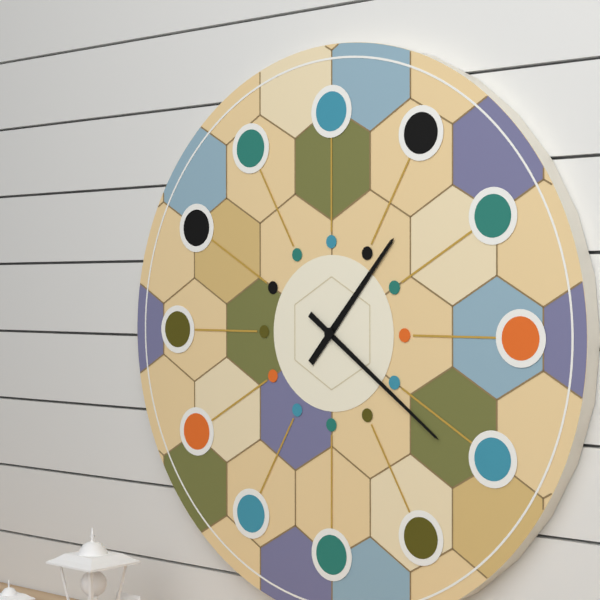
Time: **1:21**
